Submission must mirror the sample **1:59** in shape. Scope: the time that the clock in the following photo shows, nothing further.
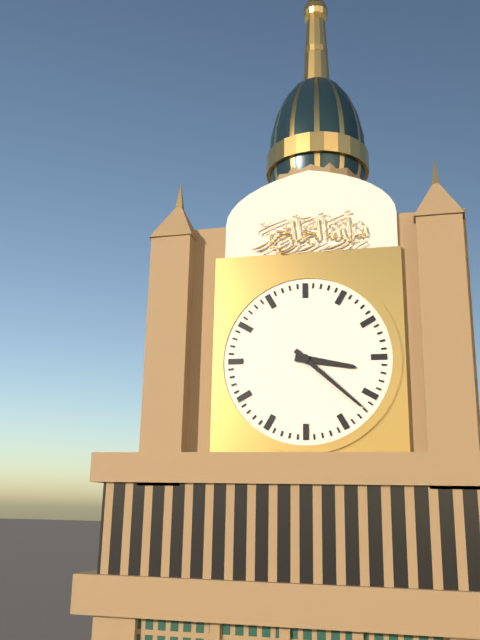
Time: **3:22**
